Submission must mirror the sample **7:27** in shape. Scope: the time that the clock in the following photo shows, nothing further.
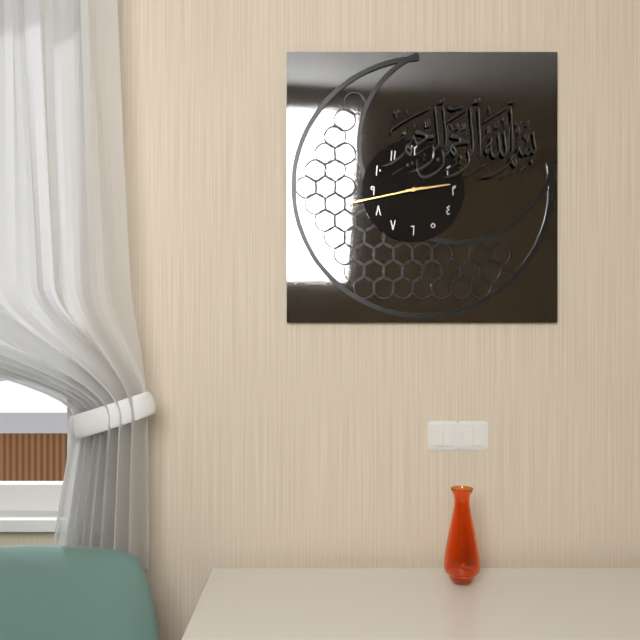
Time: **2:43**
